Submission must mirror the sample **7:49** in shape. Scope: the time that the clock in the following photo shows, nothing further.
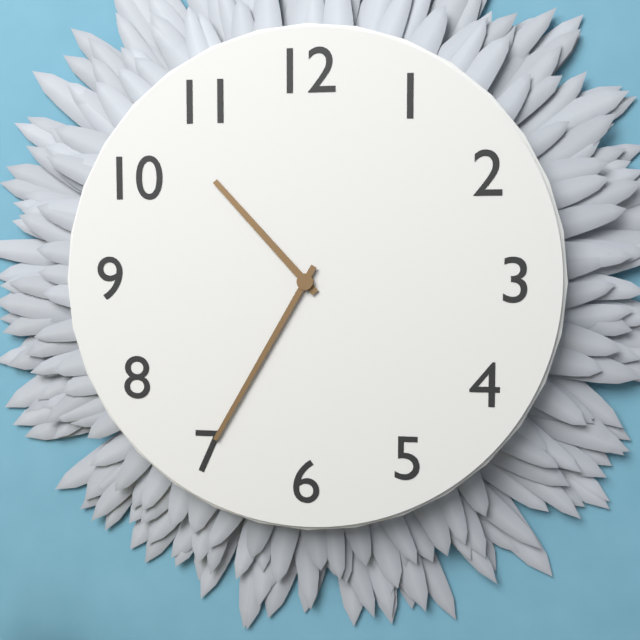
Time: **10:35**
